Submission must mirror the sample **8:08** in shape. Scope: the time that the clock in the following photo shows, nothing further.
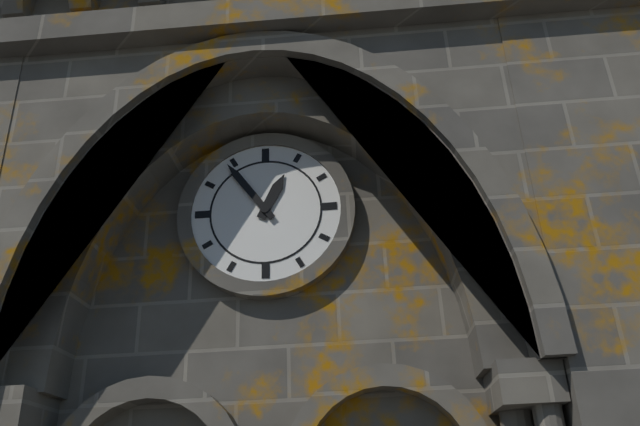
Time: **12:54**
